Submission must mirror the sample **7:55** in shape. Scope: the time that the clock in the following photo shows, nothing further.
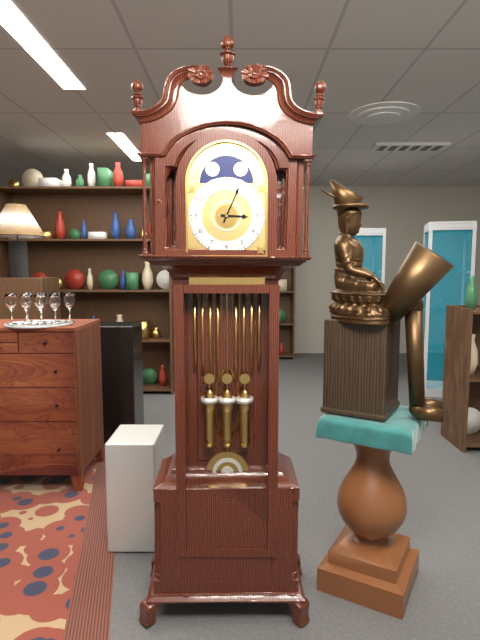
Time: **3:04**
